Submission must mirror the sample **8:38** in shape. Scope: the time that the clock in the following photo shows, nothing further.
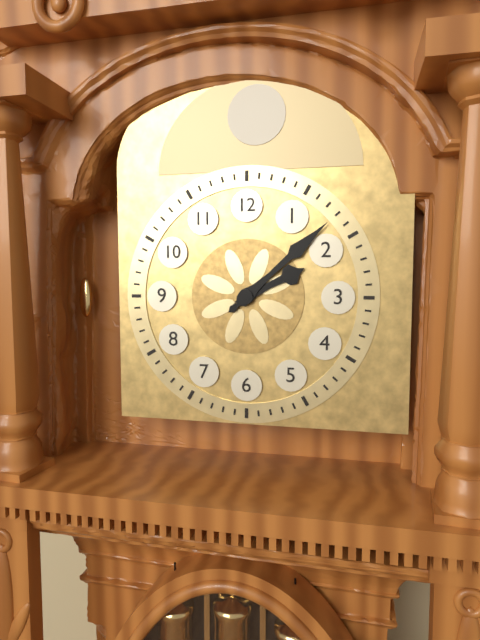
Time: **2:08**
